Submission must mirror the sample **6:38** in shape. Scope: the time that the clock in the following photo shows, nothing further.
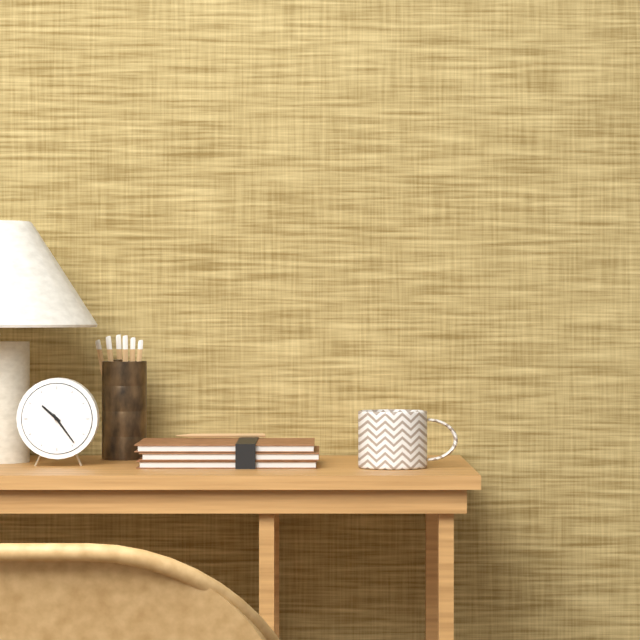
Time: **10:24**
